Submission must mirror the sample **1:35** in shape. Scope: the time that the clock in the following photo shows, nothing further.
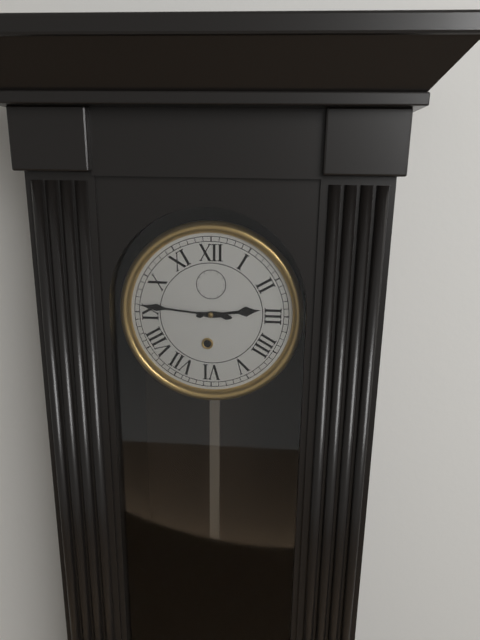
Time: **2:46**
